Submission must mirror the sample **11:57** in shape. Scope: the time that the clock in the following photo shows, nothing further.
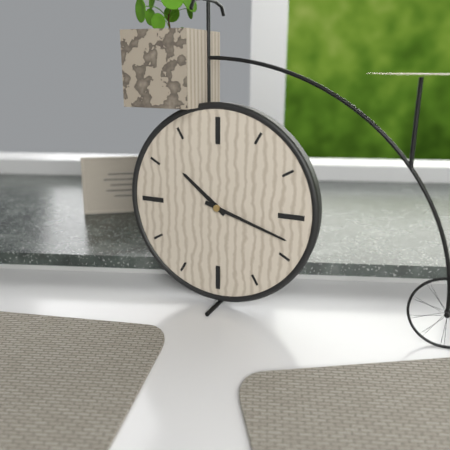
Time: **10:18**
